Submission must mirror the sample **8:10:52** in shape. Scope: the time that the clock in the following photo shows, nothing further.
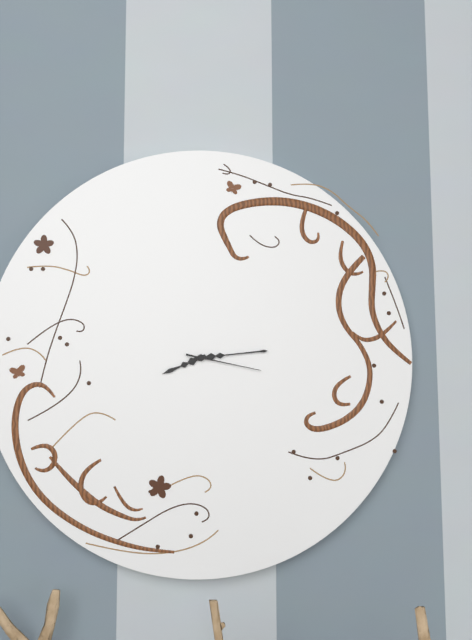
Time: **8:14:17**
